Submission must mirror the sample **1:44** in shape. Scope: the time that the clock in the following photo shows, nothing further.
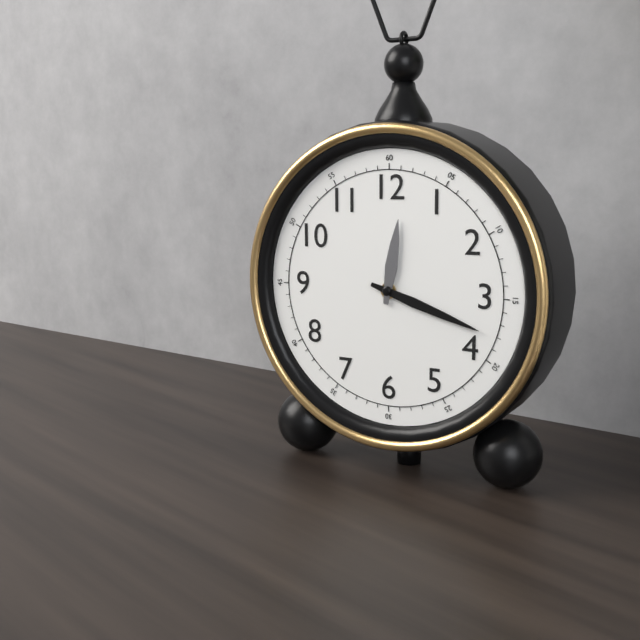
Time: **12:18**
